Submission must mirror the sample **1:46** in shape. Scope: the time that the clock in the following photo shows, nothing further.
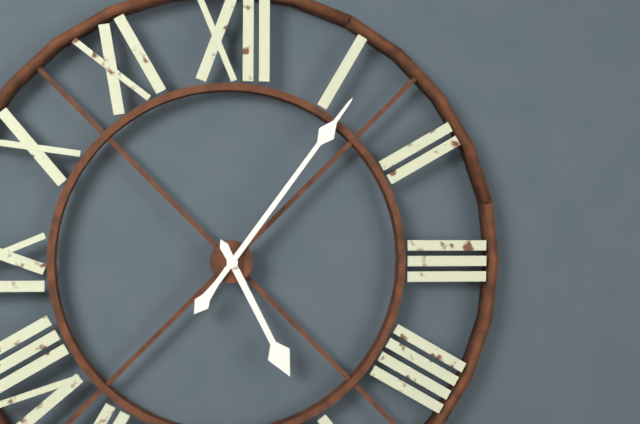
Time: **5:06**
